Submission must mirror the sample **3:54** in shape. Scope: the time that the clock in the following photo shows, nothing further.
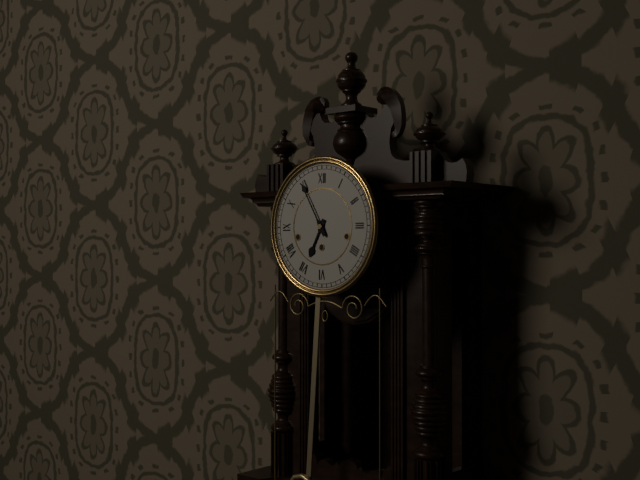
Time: **6:55**
